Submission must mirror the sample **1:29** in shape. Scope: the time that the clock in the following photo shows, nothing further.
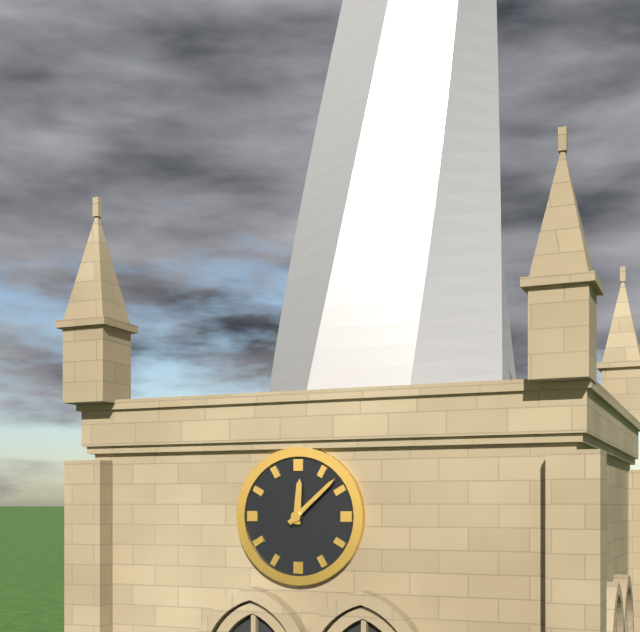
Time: **12:08**
